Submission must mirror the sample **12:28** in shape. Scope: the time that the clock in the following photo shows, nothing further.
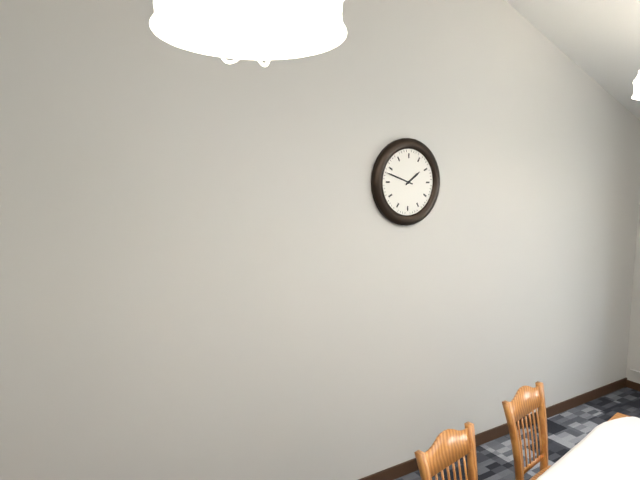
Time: **1:48**
